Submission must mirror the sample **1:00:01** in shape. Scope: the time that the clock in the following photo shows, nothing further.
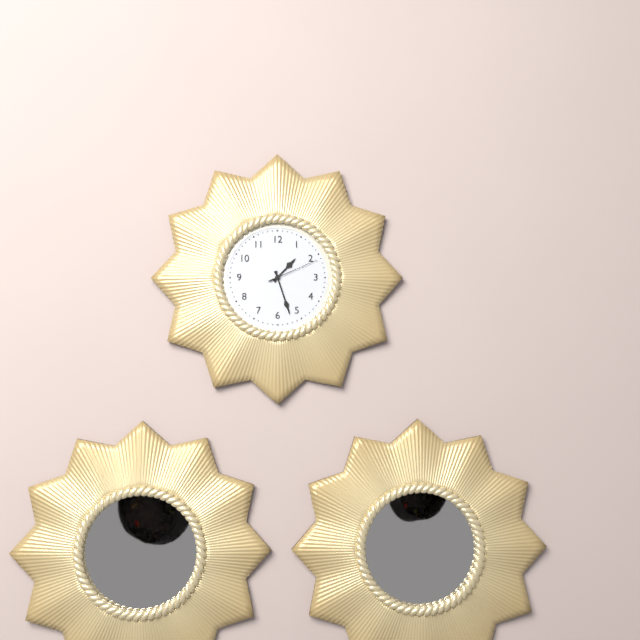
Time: **1:27:11**
